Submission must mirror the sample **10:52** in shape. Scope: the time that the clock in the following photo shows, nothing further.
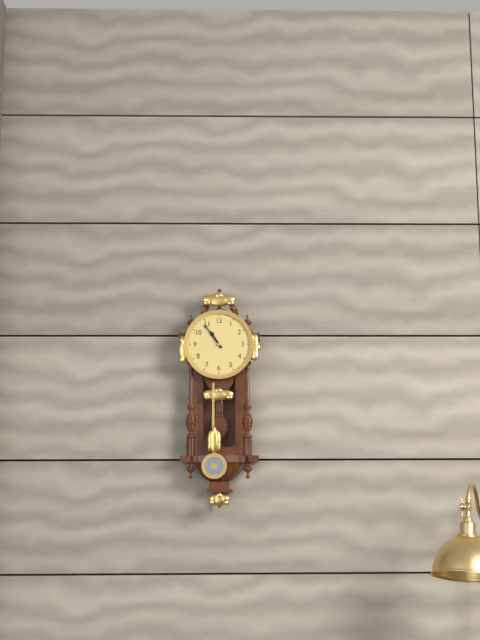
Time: **10:54**
